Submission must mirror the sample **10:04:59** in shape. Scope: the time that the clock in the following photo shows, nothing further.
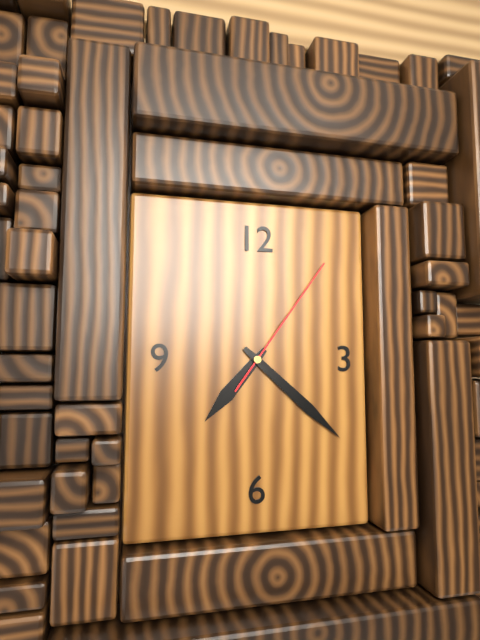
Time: **7:22:06**
